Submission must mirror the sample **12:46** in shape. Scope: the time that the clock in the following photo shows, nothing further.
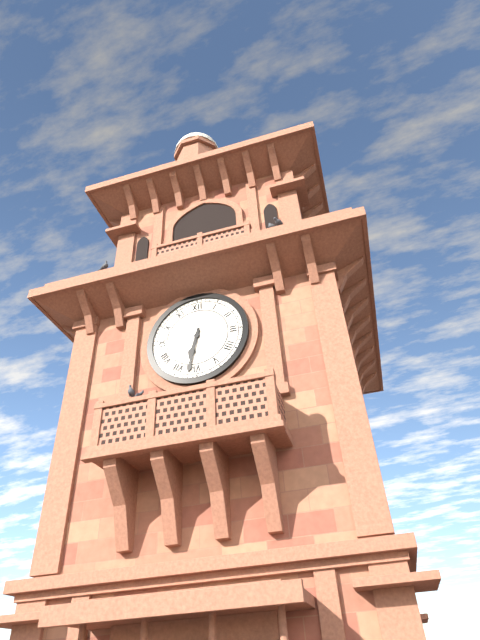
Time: **6:32**
